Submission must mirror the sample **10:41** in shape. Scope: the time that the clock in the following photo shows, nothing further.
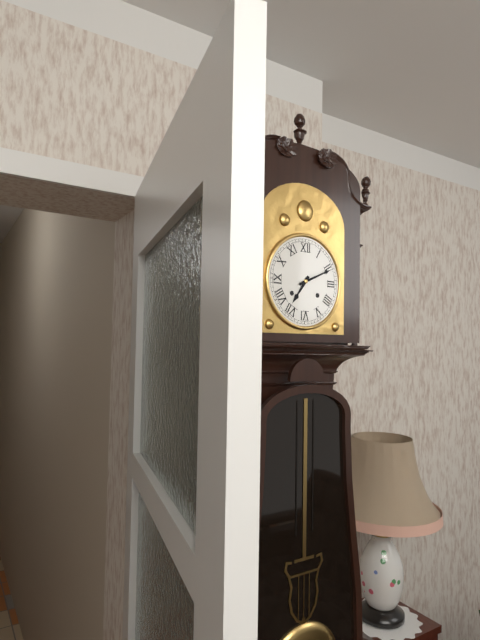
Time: **7:11**
